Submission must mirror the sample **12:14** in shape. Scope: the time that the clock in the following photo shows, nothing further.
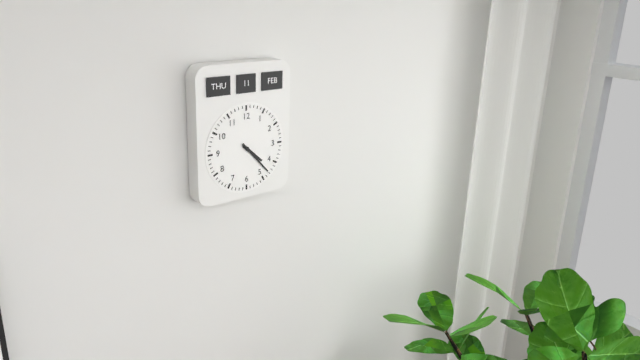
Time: **4:23**
